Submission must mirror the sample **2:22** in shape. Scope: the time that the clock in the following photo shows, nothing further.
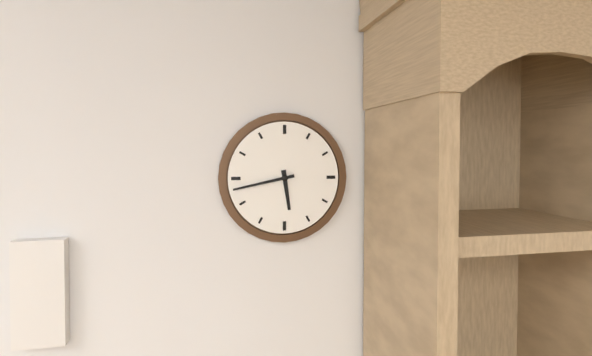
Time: **5:43**
